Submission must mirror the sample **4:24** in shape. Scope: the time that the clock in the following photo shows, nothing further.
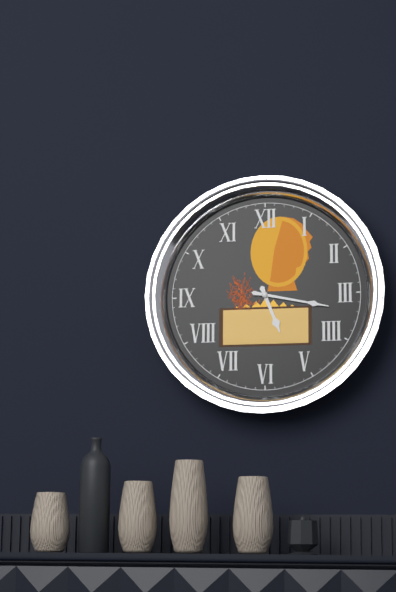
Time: **5:17**
